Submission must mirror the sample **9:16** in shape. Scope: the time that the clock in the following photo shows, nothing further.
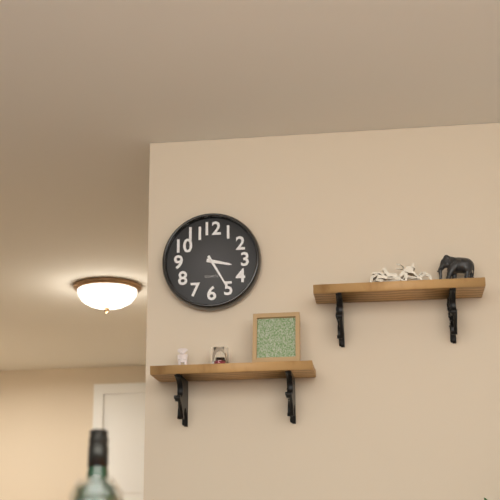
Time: **3:25**
